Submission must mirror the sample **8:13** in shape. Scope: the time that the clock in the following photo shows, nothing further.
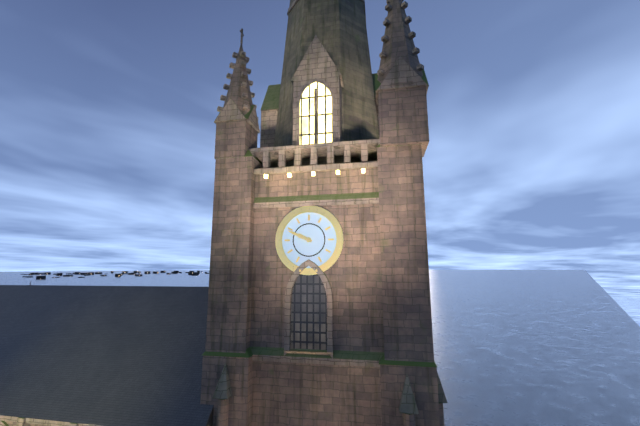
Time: **9:49**
